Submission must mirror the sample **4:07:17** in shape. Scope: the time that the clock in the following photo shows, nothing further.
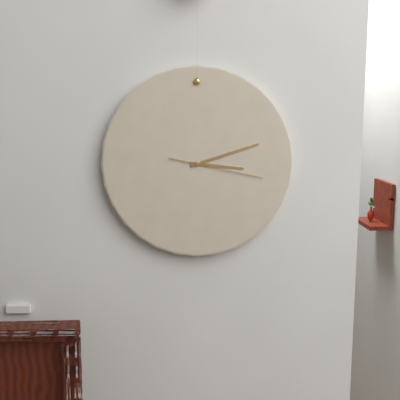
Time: **3:12:17**
